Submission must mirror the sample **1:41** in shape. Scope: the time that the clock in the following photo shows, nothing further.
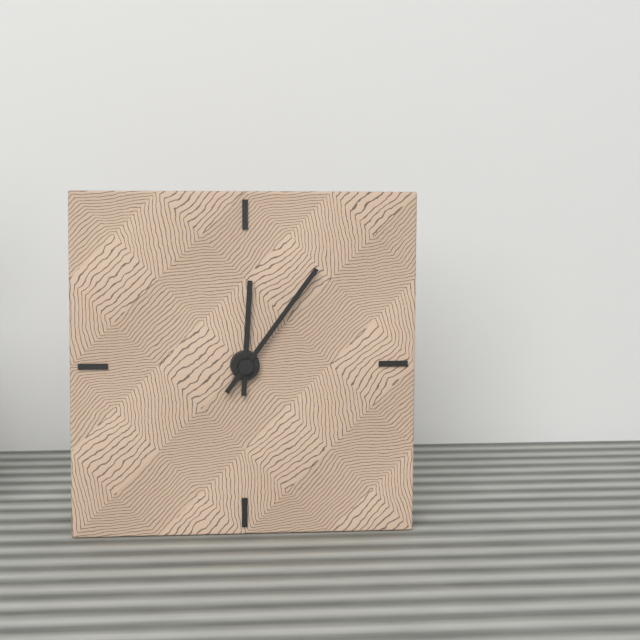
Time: **12:06**
